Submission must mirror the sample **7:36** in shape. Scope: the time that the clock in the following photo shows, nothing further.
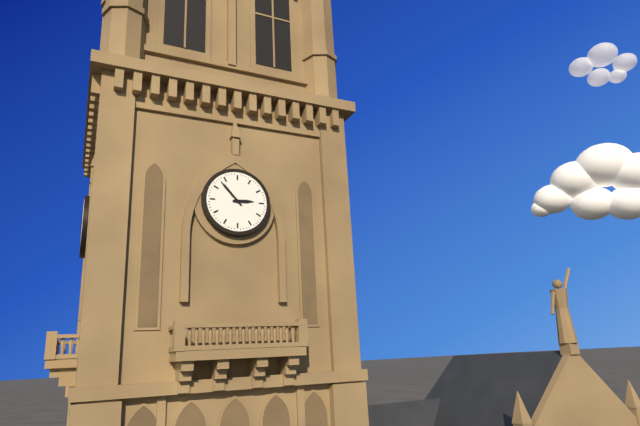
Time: **2:53**
